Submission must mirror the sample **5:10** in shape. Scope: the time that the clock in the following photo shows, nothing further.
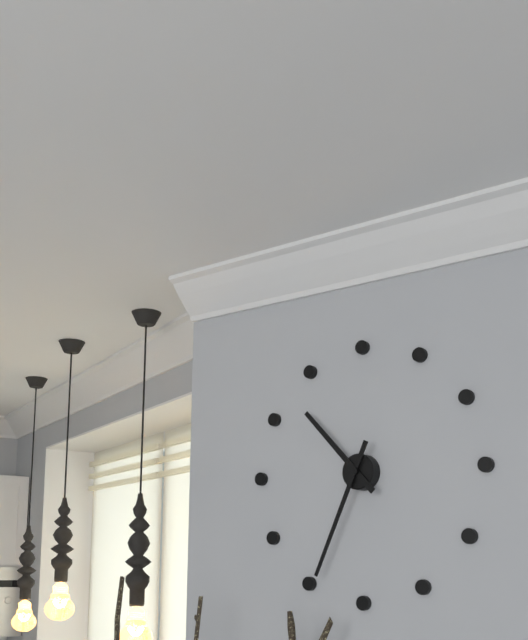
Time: **10:34**
